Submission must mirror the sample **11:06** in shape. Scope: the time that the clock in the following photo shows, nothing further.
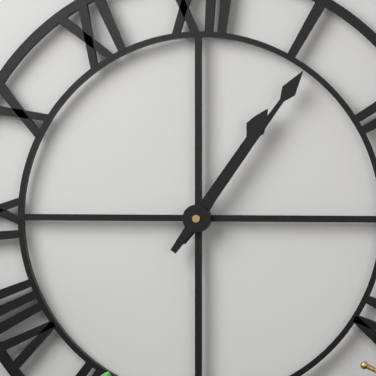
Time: **1:06**
